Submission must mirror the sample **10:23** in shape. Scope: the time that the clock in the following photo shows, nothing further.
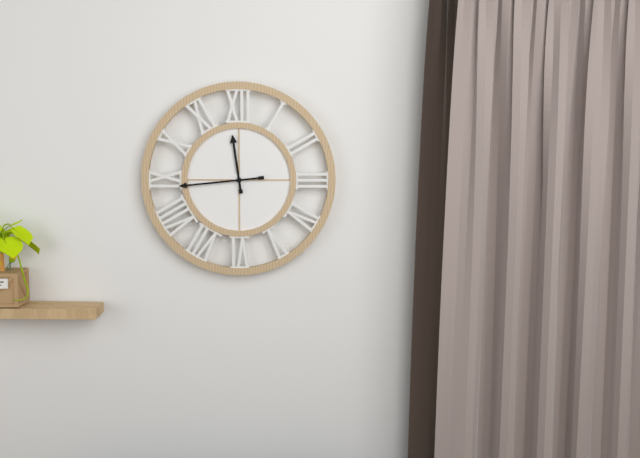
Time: **11:44**
